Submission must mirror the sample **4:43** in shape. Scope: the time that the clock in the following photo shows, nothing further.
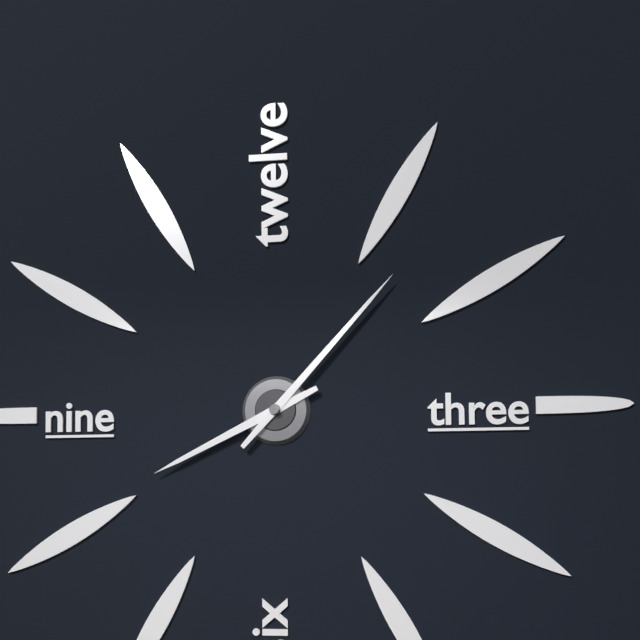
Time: **8:07**
